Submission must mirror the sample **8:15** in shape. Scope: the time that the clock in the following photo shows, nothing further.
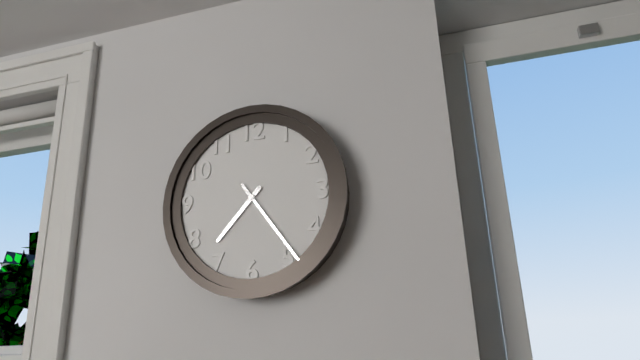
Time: **7:24**
